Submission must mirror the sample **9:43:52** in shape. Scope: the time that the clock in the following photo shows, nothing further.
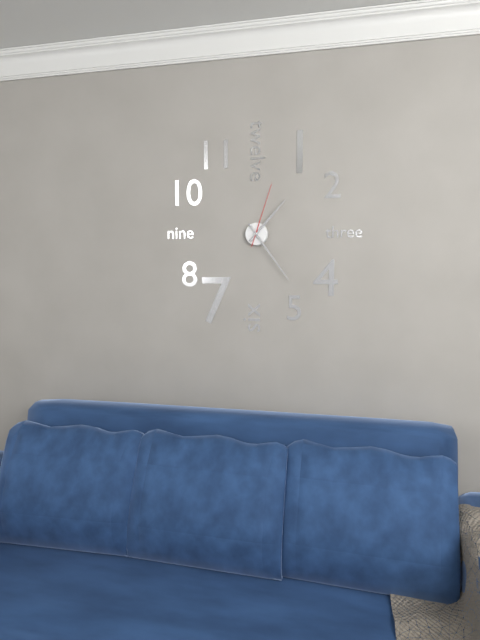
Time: **1:24:03**
